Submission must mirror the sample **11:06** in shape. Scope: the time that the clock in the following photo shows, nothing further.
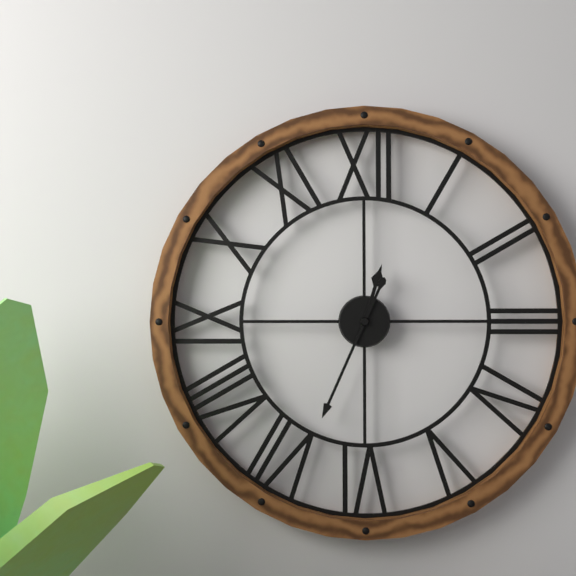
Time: **12:34**
